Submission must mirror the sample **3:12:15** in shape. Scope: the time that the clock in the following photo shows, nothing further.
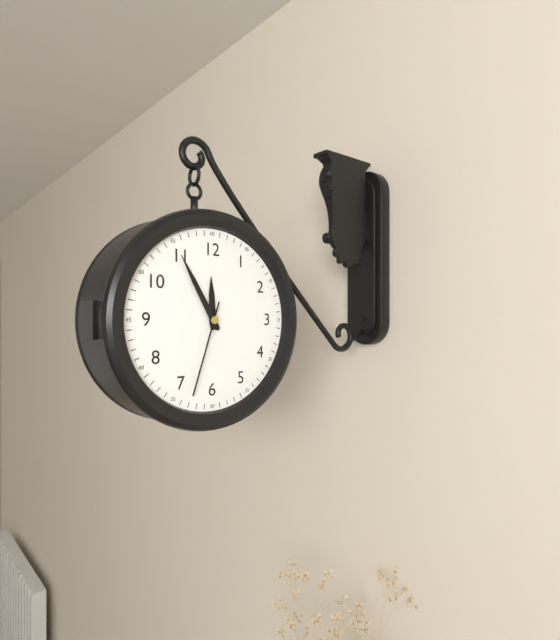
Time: **11:55:33**
